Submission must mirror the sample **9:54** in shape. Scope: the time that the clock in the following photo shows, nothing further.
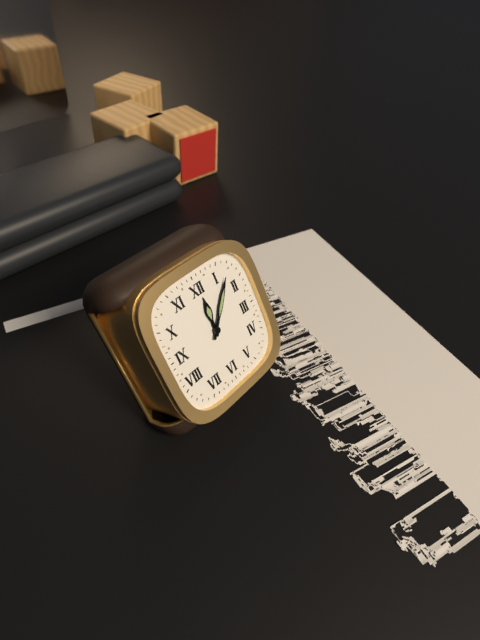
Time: **12:07**
